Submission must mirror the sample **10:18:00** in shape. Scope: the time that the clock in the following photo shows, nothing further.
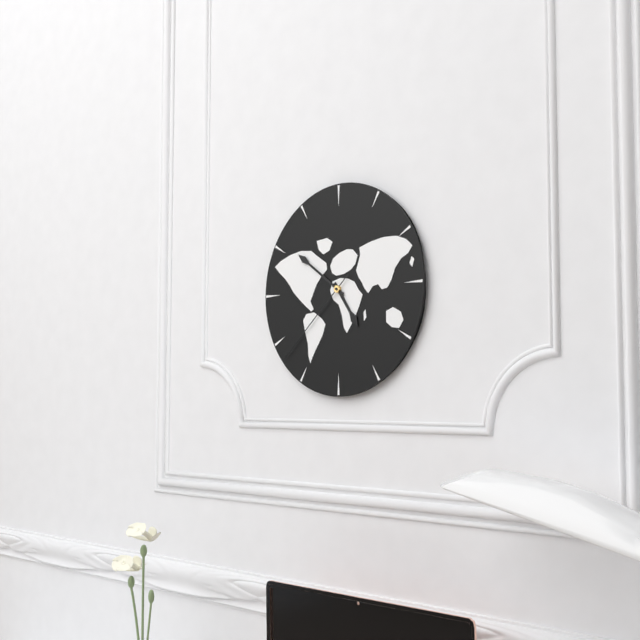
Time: **4:51:38**
